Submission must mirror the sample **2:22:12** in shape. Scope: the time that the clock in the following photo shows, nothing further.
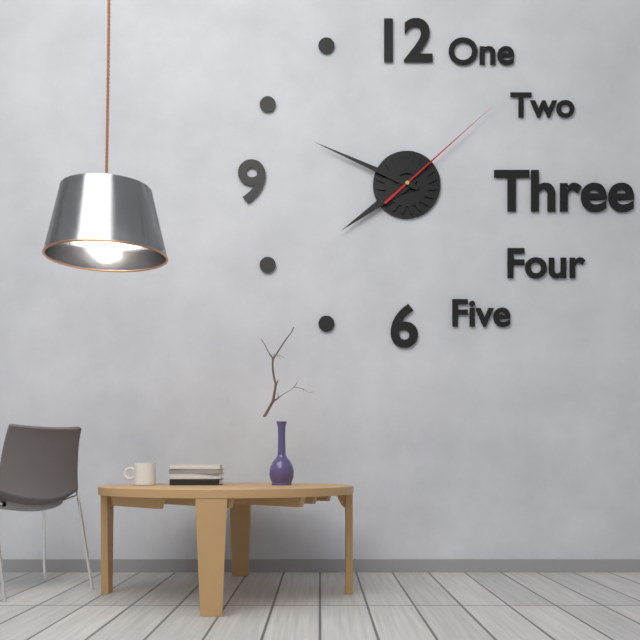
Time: **7:49:08**
